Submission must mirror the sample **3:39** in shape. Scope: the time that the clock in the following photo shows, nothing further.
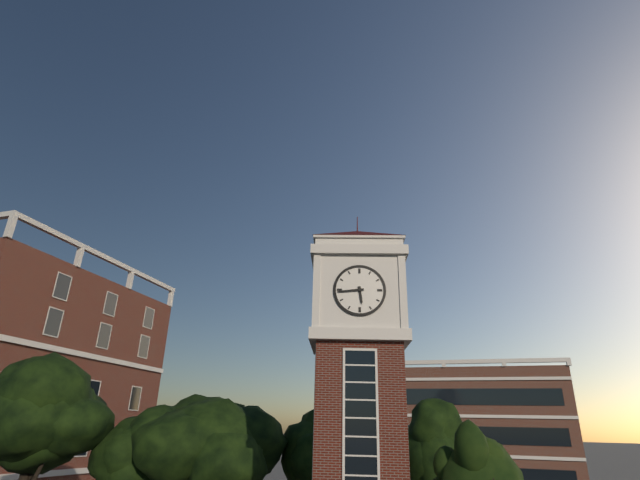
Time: **5:44**
